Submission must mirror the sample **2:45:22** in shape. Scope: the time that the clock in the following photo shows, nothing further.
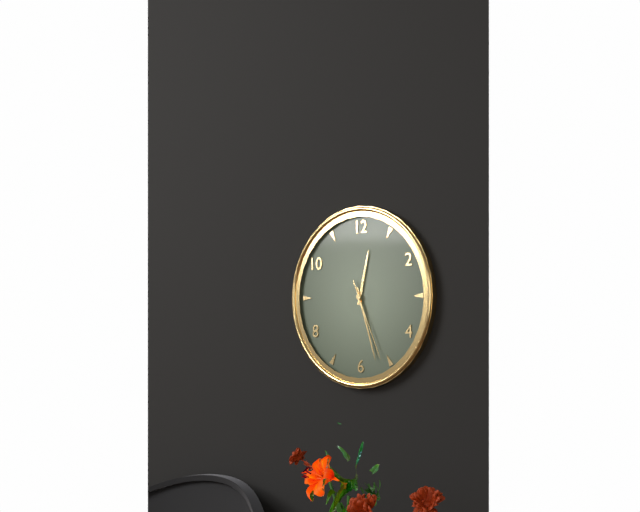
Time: **12:27:26**
